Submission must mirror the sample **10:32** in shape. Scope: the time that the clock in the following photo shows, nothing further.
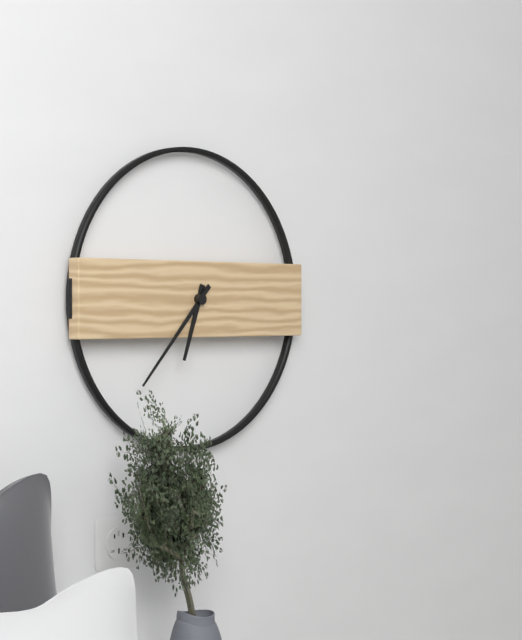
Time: **6:37**
